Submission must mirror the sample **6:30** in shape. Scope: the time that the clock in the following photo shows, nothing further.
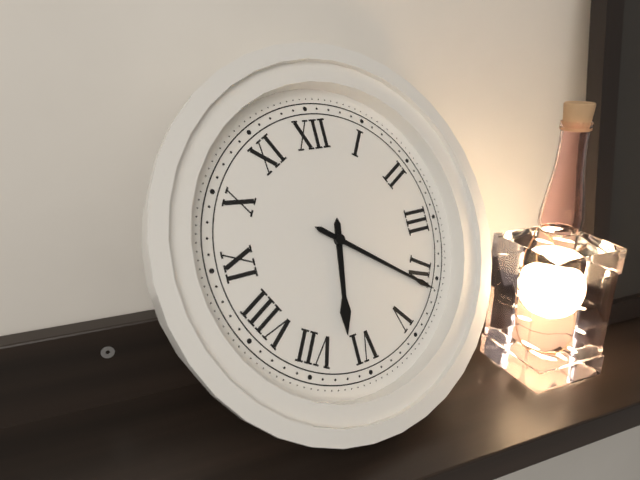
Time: **6:21**
